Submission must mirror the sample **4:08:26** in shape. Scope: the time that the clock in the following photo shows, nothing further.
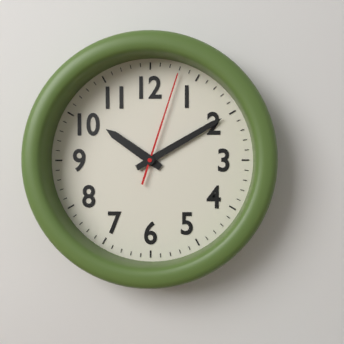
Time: **10:10:03**
